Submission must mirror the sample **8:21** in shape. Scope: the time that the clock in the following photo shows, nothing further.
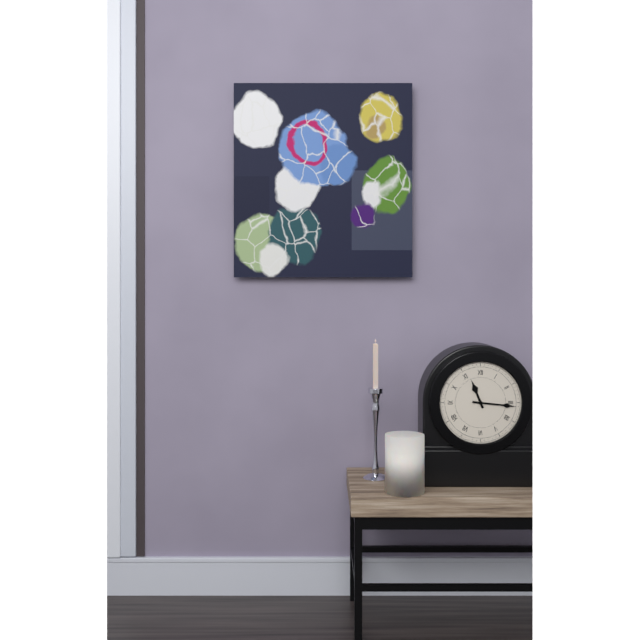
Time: **11:16**
